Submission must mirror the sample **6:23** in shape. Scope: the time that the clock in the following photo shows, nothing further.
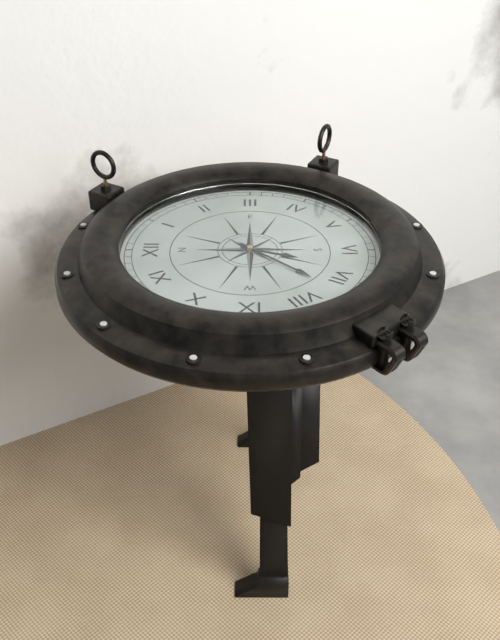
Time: **6:37**
